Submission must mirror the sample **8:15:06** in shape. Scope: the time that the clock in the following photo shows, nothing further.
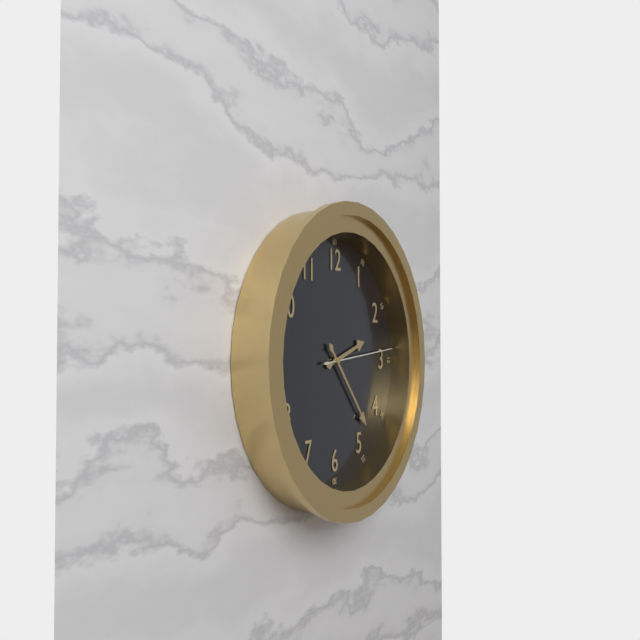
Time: **2:23:14**
